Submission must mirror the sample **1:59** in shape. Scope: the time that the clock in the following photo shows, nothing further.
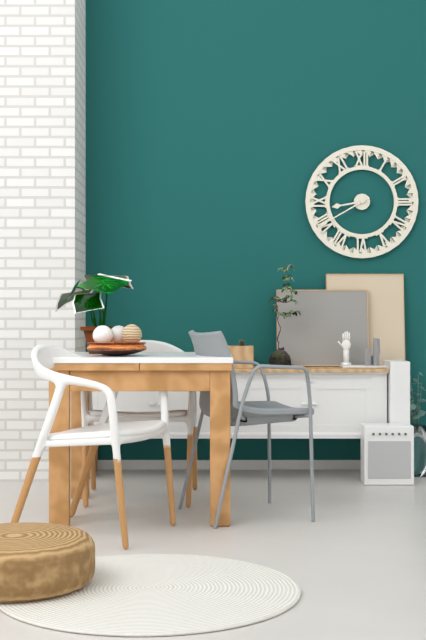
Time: **8:40**
